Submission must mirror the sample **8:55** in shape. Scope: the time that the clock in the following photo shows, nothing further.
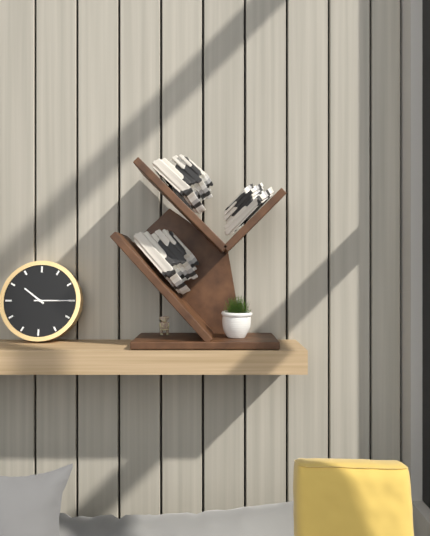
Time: **10:15**
